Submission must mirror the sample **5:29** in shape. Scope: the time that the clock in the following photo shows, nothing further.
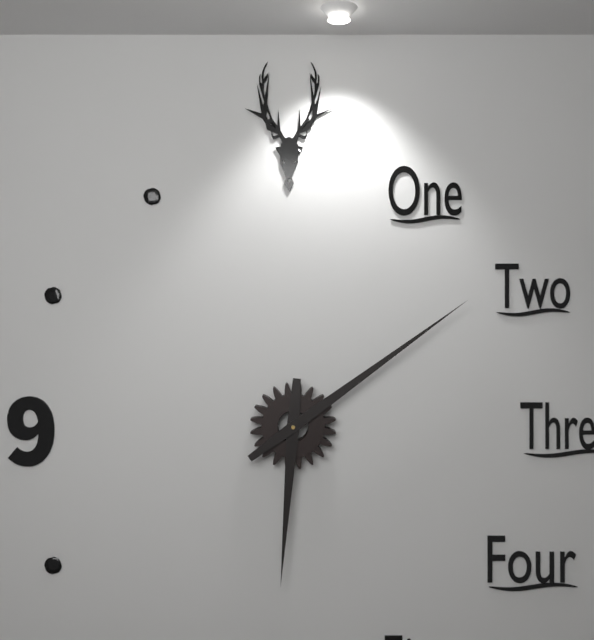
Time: **6:09**
